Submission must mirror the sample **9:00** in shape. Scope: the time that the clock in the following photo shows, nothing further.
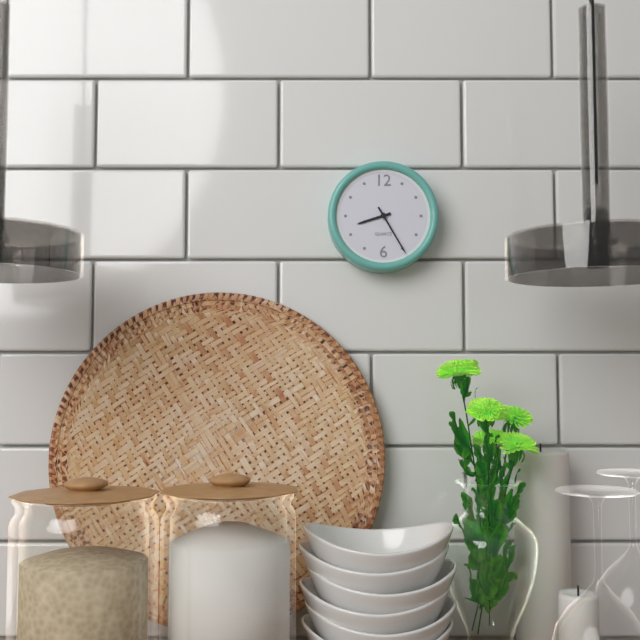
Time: **8:25**
